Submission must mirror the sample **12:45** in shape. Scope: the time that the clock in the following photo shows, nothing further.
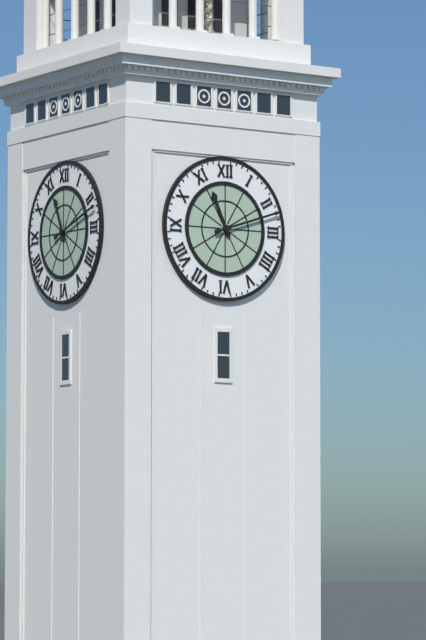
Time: **11:12**
